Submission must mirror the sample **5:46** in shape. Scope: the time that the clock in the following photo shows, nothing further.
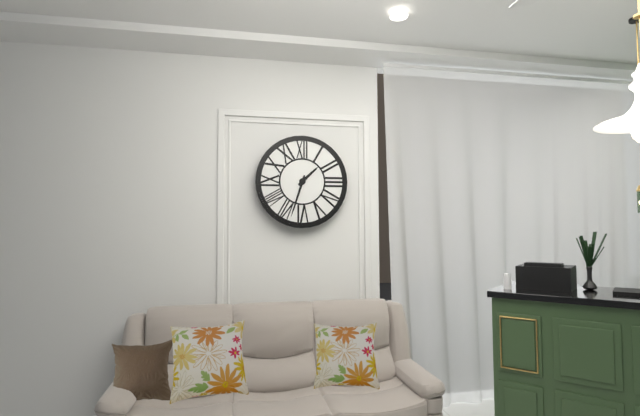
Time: **1:33**
